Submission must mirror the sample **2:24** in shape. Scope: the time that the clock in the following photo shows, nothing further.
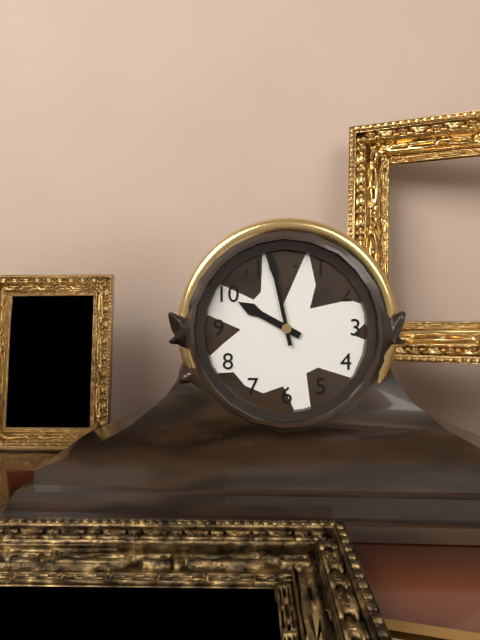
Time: **9:58**
